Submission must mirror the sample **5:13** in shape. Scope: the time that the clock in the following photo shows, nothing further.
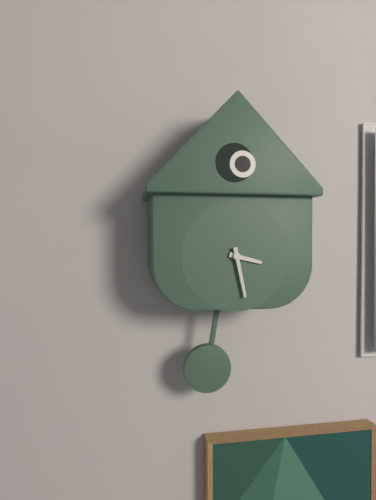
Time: **3:28**
